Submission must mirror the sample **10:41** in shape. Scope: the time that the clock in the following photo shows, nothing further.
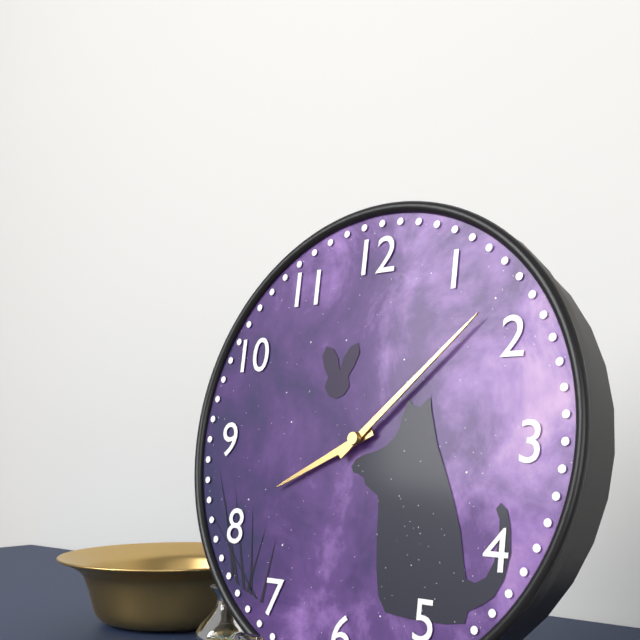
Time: **8:08**
